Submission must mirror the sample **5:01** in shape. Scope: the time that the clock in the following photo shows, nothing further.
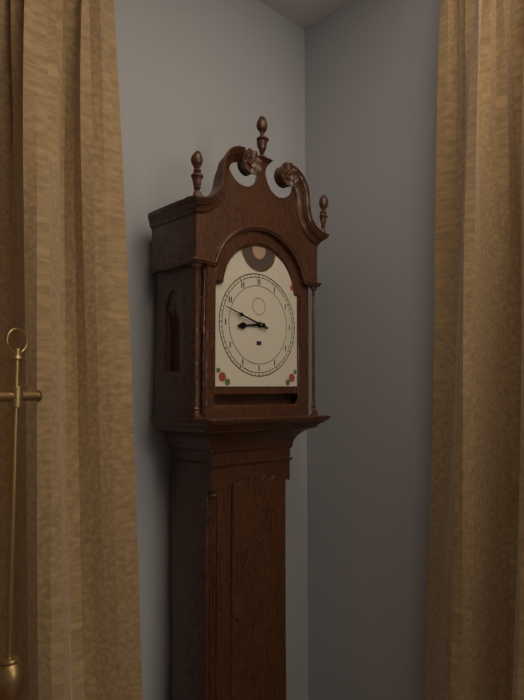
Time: **8:48**
